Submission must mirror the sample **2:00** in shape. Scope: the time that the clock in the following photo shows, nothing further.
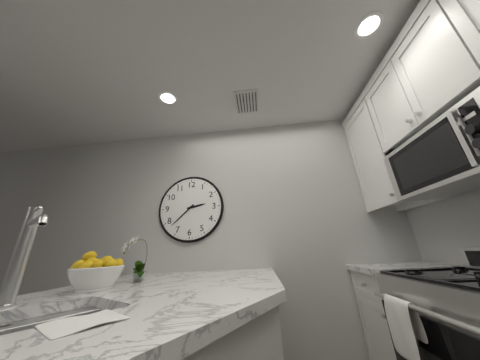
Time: **2:38**
